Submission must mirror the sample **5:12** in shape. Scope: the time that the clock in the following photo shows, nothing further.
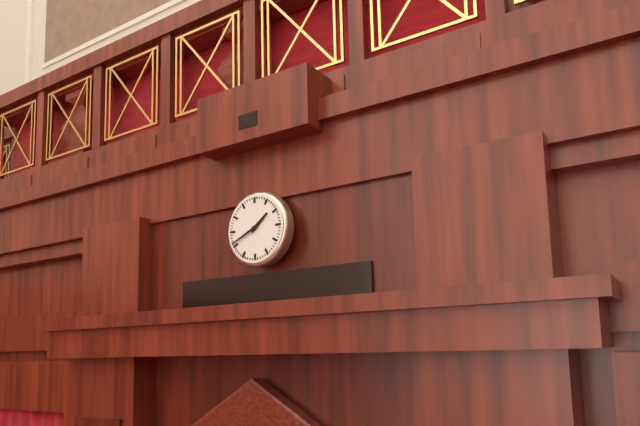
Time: **1:41**
